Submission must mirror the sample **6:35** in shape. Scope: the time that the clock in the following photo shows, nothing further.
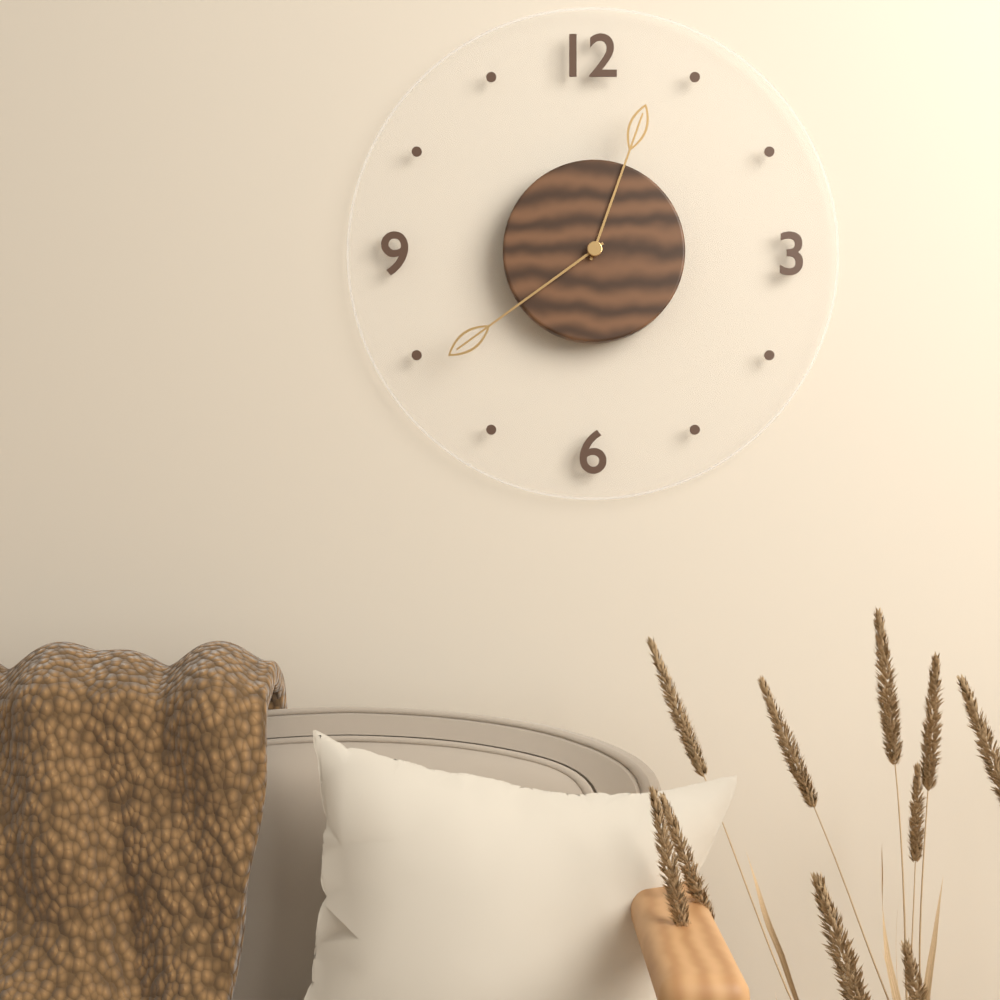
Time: **12:39**
